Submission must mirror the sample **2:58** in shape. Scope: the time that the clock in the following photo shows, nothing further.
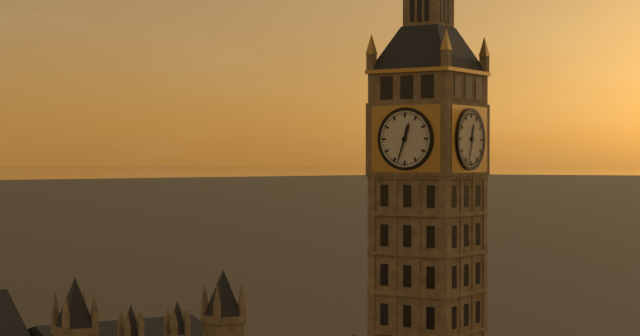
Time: **12:33**
